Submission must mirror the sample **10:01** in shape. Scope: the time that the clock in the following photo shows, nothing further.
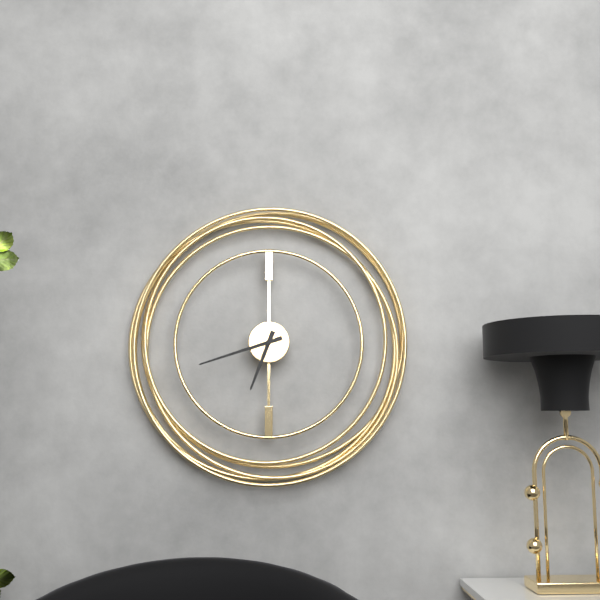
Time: **6:42**
